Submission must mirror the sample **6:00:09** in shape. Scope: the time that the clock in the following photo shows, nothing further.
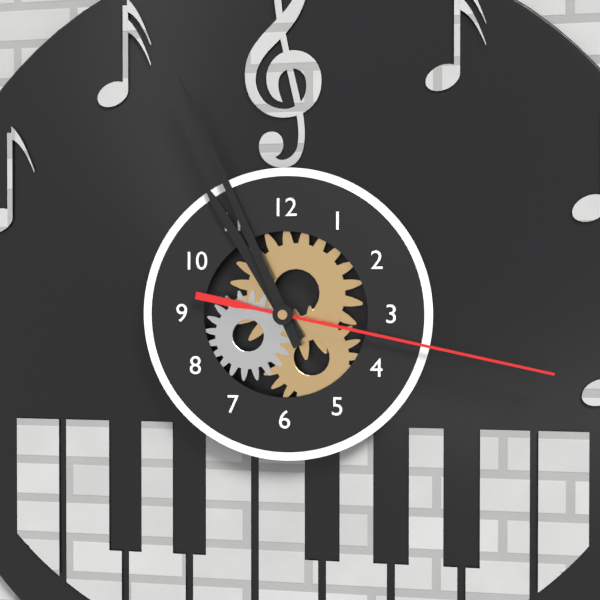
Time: **10:56:17**
